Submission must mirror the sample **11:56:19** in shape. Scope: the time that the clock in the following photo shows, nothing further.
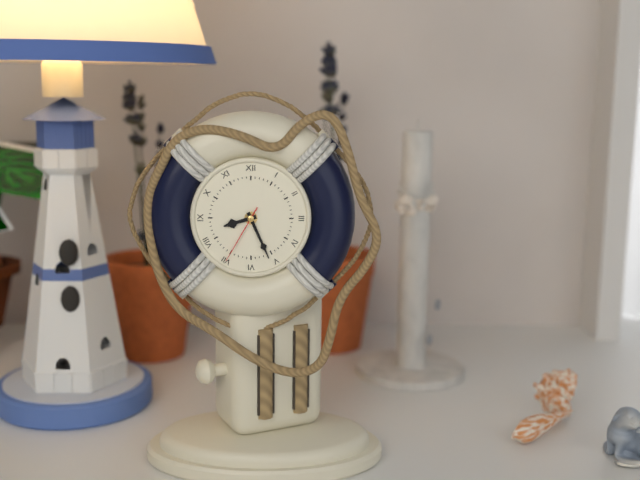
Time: **8:26:35**
